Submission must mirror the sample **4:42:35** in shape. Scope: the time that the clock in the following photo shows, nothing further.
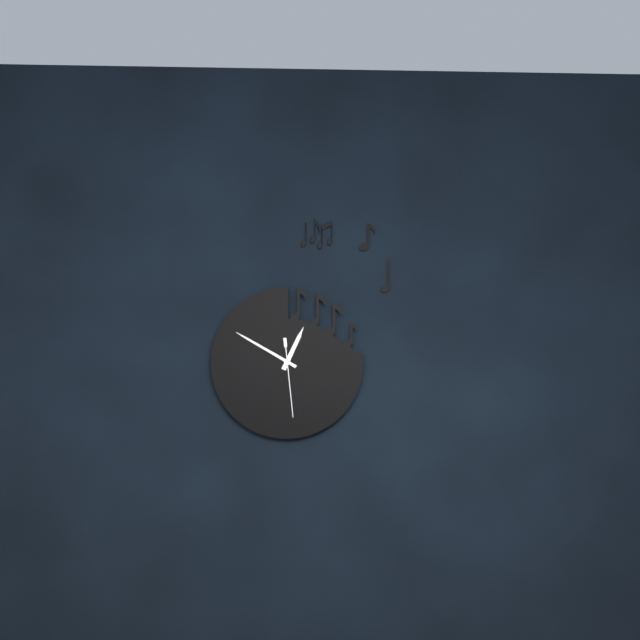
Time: **12:50:29**
